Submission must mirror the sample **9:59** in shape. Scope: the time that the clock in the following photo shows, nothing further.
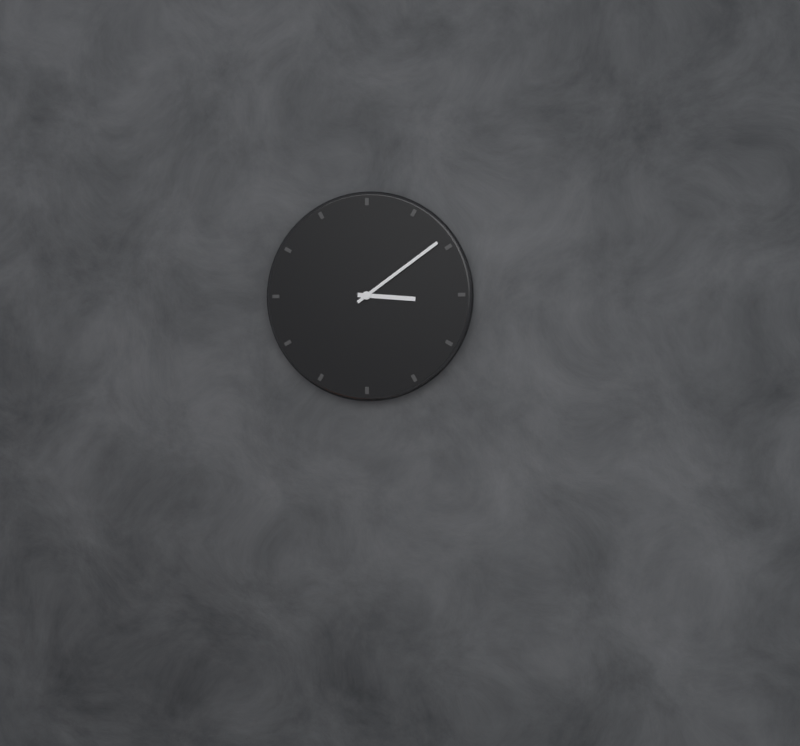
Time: **3:09**
